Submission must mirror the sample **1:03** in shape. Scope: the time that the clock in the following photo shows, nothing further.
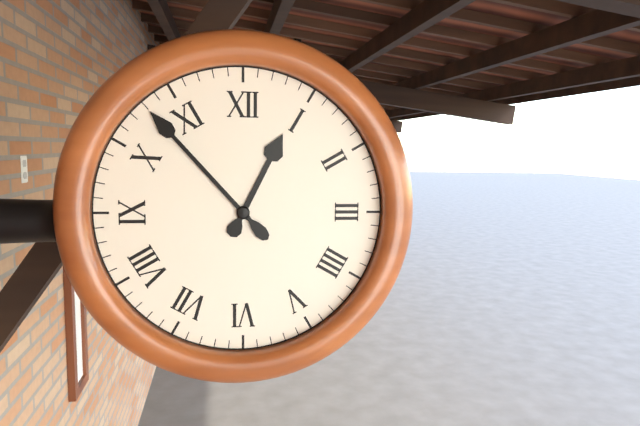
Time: **12:53**
